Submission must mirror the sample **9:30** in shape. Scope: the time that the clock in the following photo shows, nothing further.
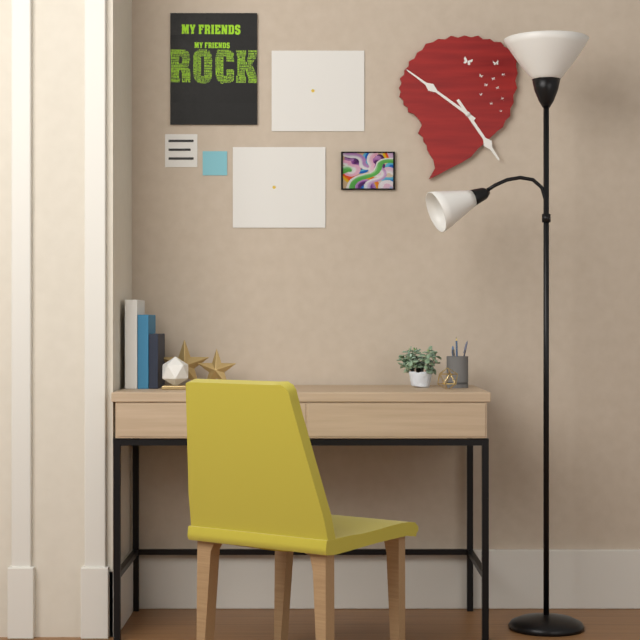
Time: **4:51**
